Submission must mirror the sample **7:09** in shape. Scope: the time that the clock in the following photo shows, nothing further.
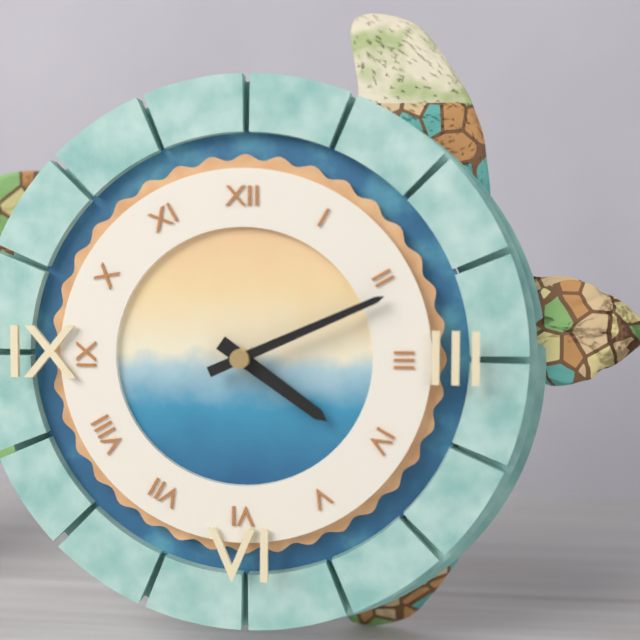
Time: **4:11**
